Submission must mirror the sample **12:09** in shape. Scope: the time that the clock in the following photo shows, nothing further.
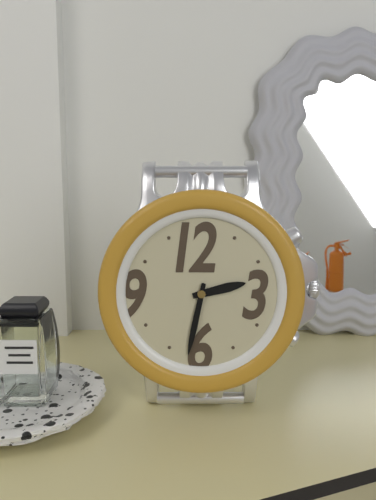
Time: **2:32**
